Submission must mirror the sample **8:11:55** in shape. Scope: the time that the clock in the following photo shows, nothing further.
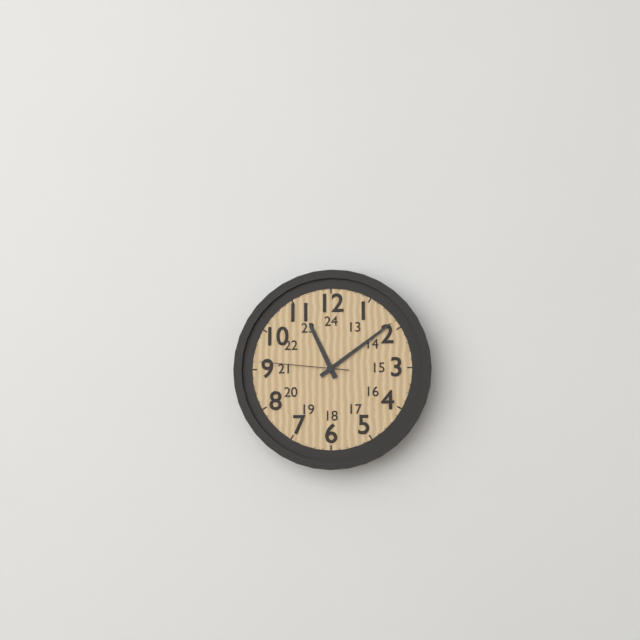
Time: **11:09:46**
